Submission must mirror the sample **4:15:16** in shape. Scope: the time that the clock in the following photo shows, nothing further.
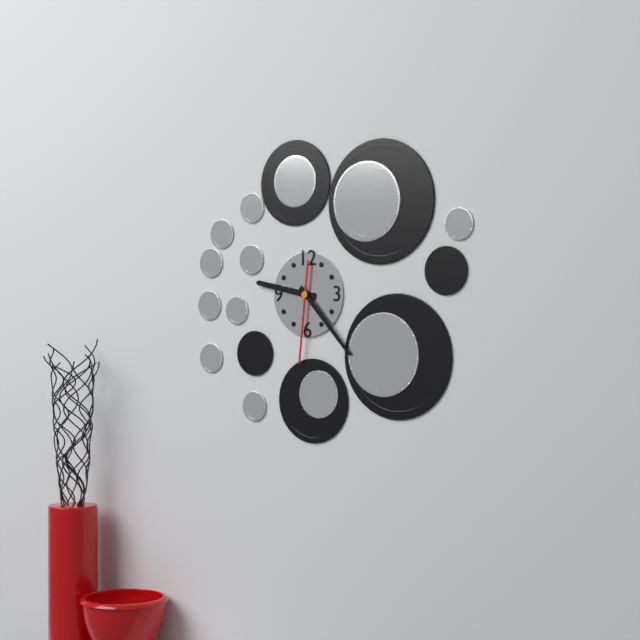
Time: **9:23:31**
